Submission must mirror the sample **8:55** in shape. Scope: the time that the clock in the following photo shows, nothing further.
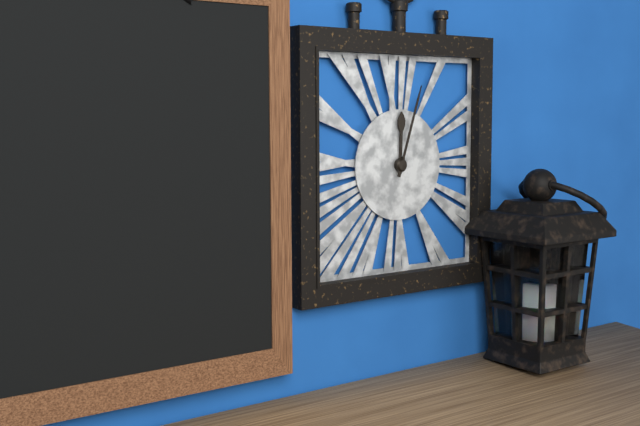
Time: **12:03**
